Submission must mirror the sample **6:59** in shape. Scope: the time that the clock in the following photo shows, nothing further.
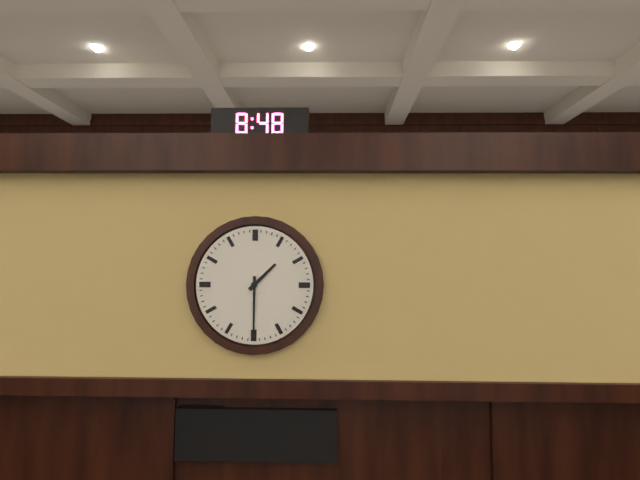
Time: **1:30**
